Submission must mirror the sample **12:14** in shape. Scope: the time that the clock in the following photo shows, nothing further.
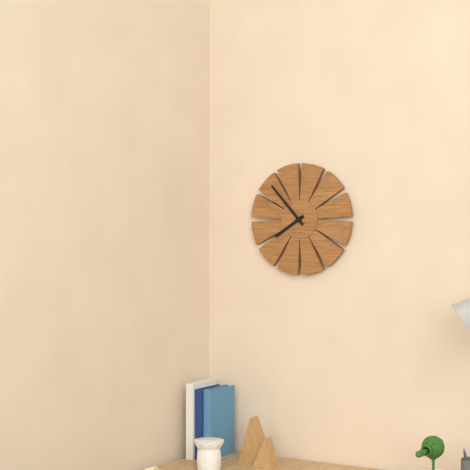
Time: **7:53**
